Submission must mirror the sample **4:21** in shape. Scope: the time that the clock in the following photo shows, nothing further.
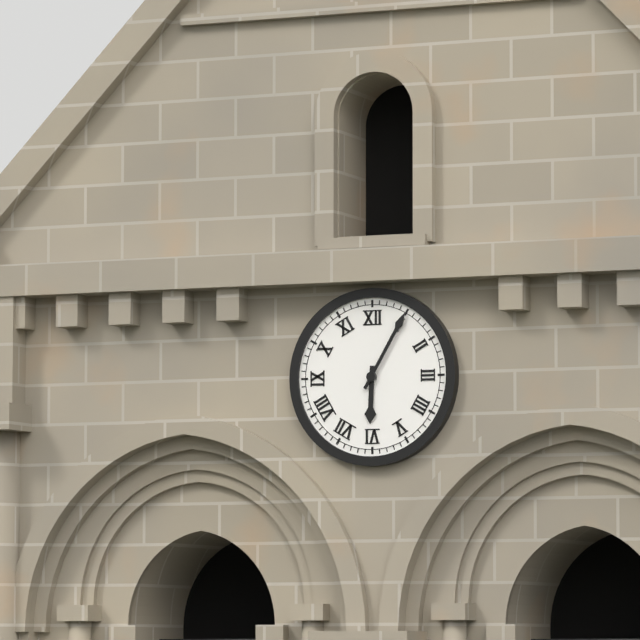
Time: **6:05**
